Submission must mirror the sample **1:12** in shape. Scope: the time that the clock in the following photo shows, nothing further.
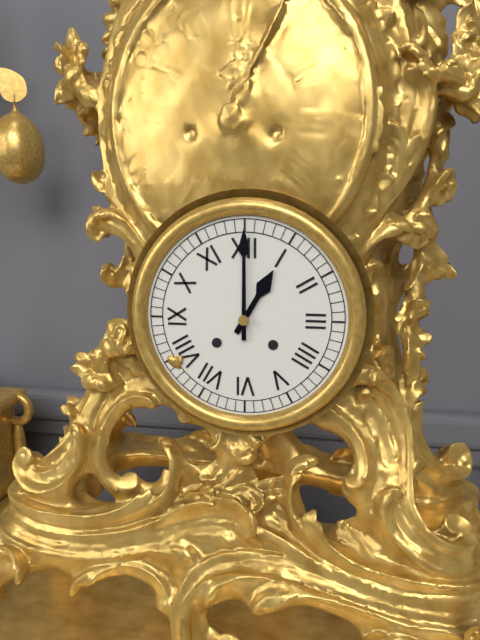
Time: **1:00**
